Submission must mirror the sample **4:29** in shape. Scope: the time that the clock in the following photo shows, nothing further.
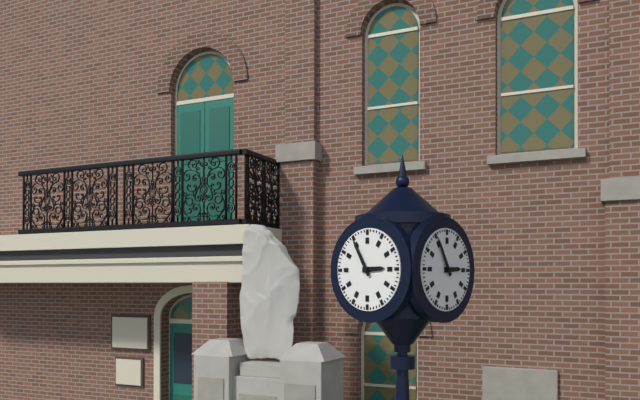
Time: **2:55**
